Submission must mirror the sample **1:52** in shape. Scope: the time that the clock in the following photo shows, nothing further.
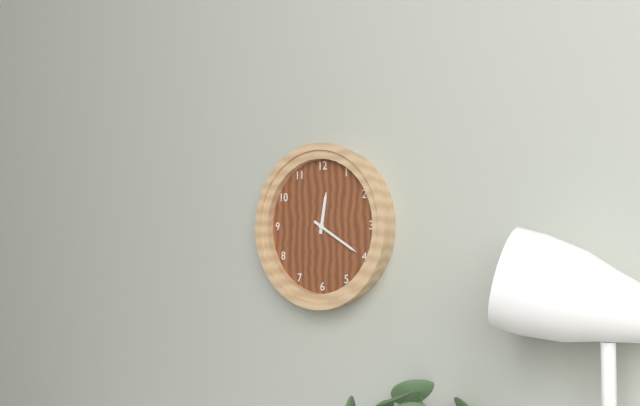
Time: **12:20**
